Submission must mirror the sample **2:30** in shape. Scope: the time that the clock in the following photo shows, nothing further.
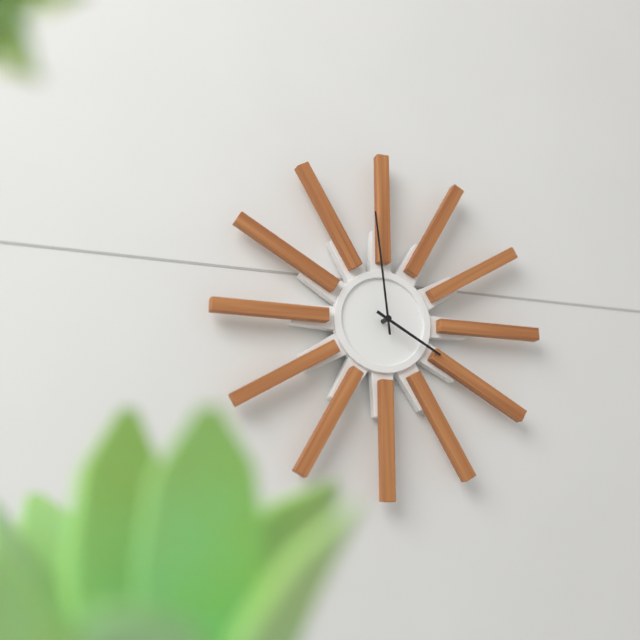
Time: **3:59**
